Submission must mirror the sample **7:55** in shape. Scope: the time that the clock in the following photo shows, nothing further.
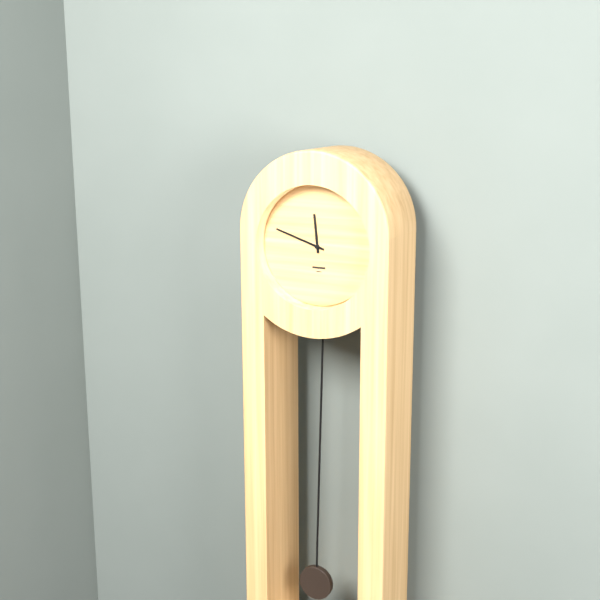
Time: **11:48**
